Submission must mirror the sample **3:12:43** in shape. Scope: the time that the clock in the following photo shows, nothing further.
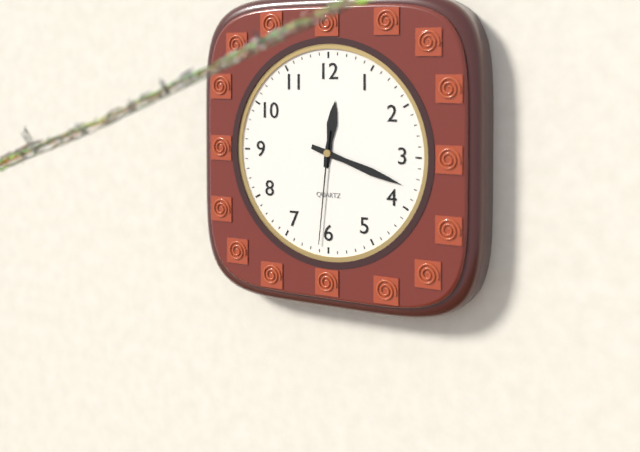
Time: **12:18:31**
